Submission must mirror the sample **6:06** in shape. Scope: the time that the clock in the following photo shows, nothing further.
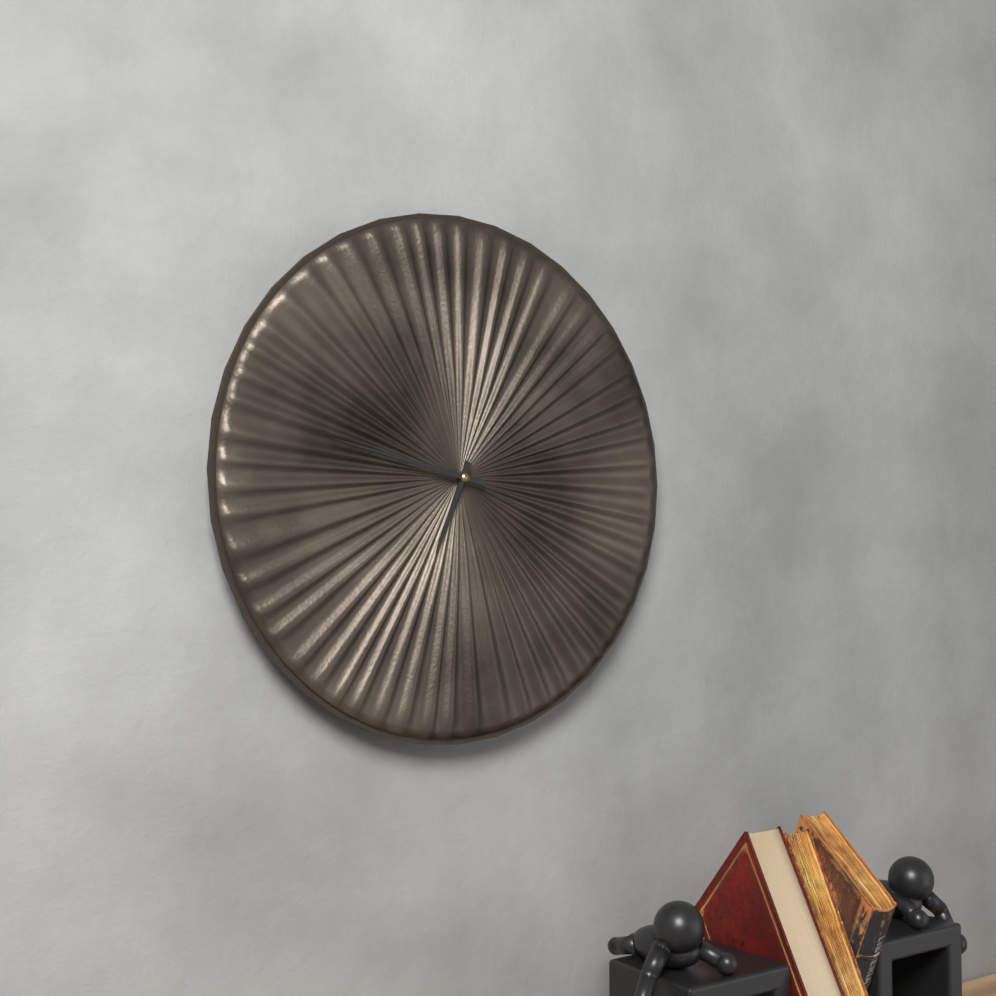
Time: **6:47**
